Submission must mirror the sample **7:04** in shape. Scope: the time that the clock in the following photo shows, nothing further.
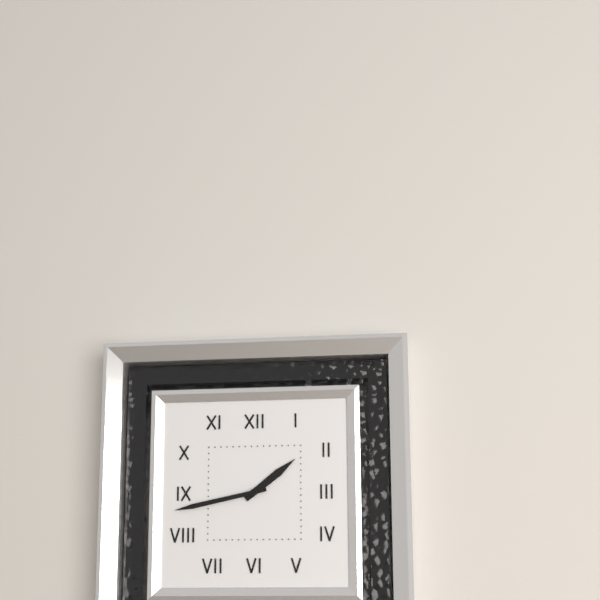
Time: **1:43**
